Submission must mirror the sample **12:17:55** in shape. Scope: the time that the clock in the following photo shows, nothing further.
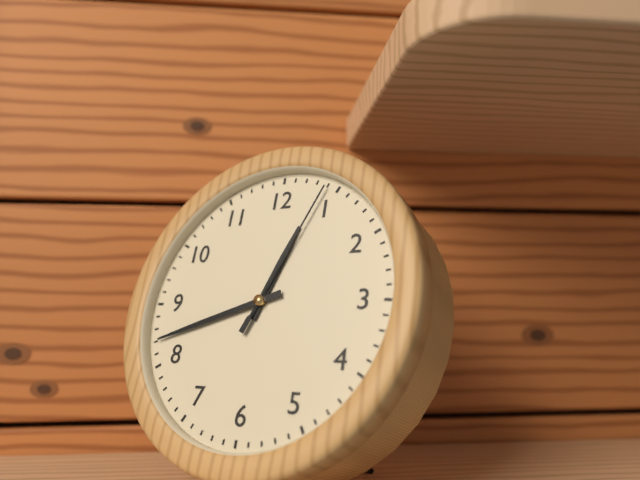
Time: **12:42:04**
